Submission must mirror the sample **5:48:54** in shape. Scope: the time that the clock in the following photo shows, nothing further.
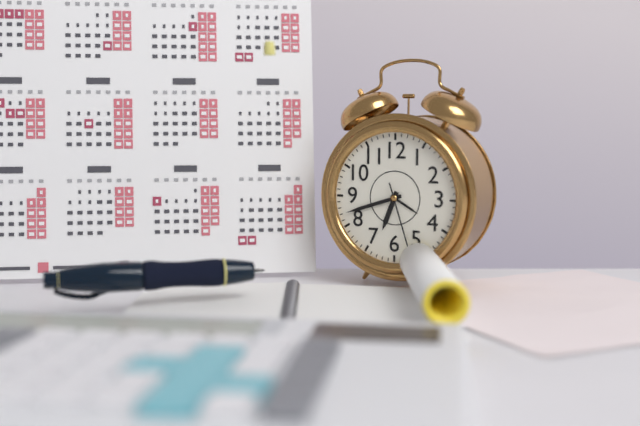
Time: **6:42:27**
